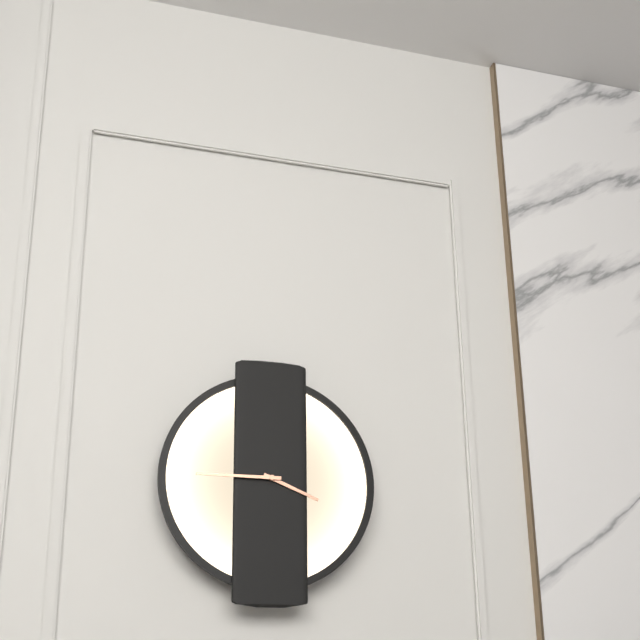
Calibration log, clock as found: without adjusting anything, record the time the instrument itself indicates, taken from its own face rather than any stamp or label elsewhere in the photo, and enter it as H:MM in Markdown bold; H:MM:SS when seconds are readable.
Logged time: **3:45**
